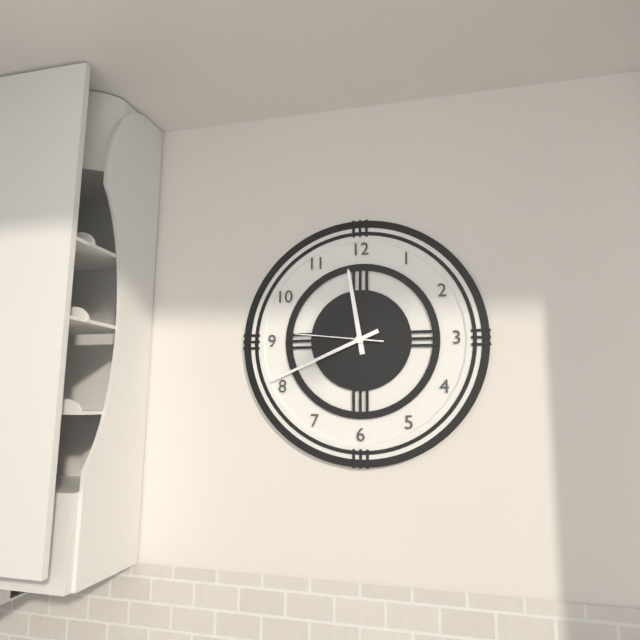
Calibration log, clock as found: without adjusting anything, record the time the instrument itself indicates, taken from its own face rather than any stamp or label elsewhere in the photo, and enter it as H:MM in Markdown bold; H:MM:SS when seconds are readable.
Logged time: **11:41:46**
